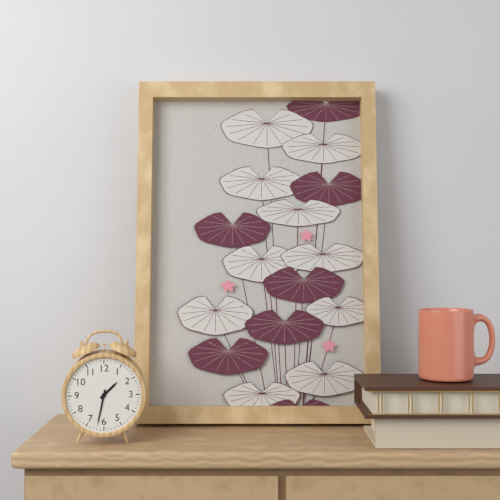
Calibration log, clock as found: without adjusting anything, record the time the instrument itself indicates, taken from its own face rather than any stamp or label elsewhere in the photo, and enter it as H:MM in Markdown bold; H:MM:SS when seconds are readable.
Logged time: **1:32**
